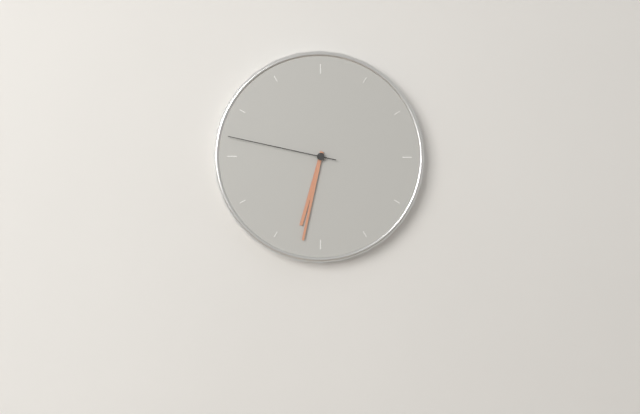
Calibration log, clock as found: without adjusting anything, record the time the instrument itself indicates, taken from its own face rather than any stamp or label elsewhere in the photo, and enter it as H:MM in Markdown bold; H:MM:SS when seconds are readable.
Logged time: **6:32:47**
